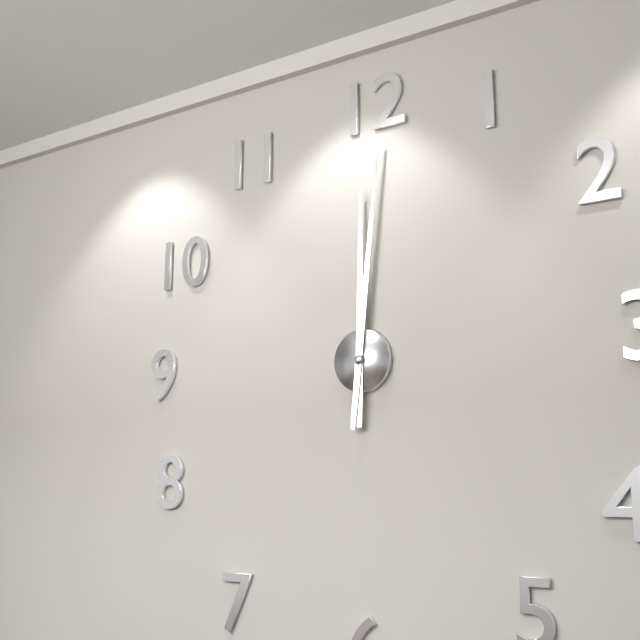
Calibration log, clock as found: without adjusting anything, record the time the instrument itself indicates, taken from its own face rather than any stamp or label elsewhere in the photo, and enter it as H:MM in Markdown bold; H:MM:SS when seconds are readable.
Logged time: **12:01**
